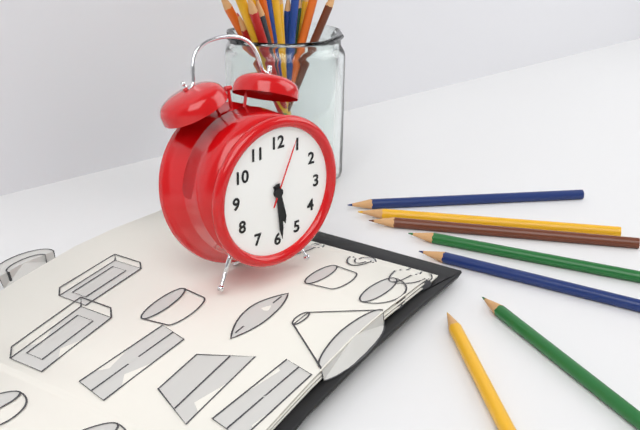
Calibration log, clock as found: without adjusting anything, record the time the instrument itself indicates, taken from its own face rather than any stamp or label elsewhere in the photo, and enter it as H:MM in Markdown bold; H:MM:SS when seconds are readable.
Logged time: **5:29:04**
